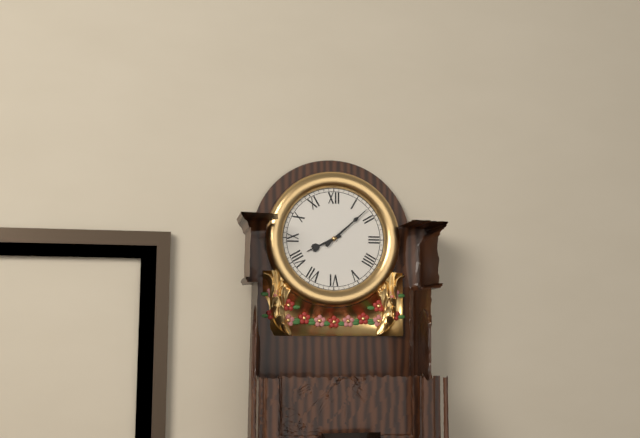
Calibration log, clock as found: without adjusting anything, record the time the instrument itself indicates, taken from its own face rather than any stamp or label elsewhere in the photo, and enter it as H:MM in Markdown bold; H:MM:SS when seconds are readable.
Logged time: **8:08**
